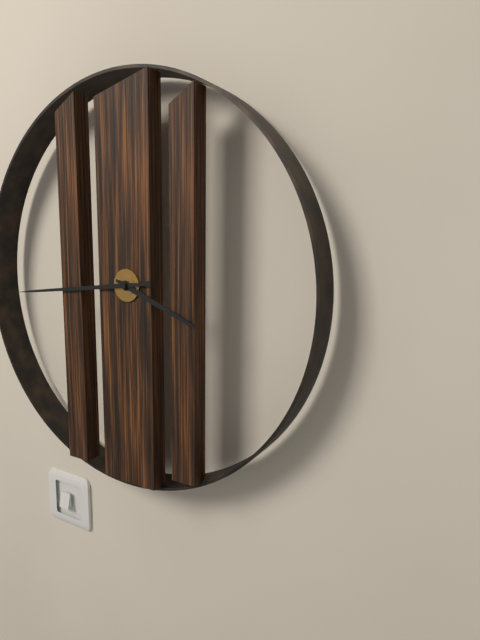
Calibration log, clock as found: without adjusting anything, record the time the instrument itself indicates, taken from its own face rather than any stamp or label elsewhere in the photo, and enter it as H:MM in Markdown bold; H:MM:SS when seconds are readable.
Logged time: **3:44**
